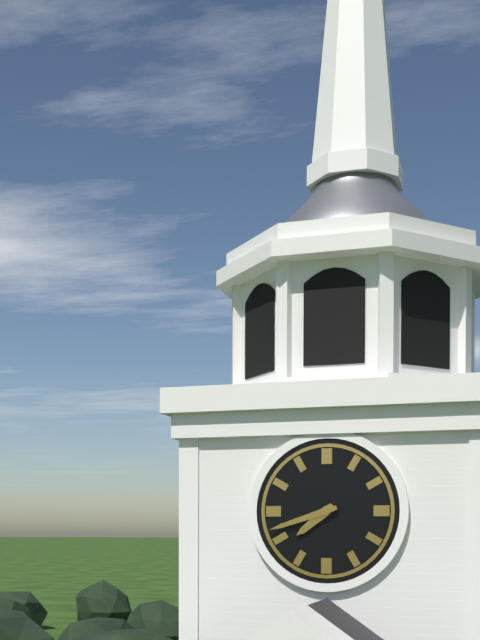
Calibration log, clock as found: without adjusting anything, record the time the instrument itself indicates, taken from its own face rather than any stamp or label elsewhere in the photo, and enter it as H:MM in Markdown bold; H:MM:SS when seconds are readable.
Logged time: **7:42**
